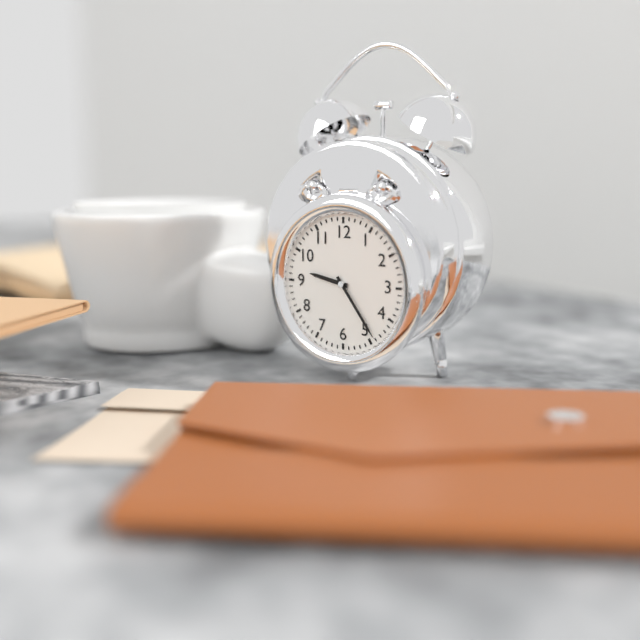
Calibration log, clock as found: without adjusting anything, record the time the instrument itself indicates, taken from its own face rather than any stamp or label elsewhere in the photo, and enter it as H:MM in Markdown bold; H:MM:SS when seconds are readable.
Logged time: **9:24**
